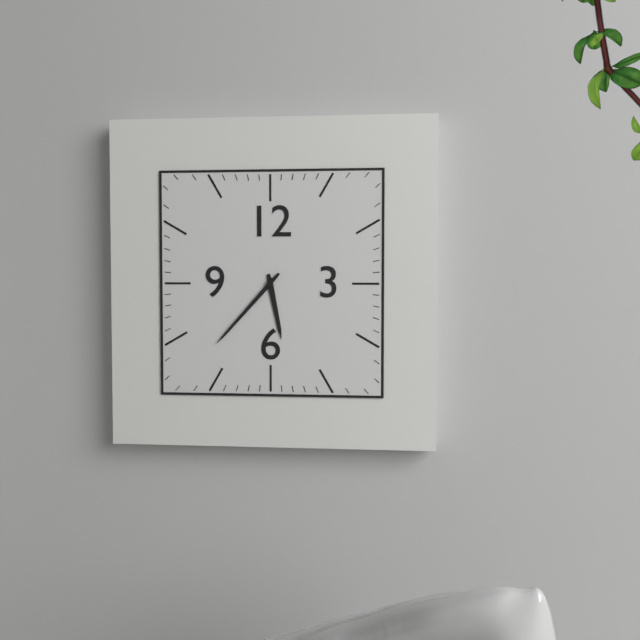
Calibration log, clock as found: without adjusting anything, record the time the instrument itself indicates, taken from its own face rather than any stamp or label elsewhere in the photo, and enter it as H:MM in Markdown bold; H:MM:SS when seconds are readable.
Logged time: **5:37**
